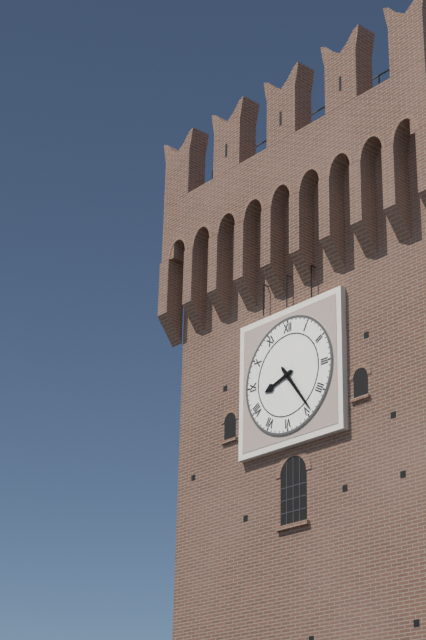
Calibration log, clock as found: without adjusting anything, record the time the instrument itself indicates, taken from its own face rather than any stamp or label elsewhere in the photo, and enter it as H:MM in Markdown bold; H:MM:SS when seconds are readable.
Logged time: **8:24**
